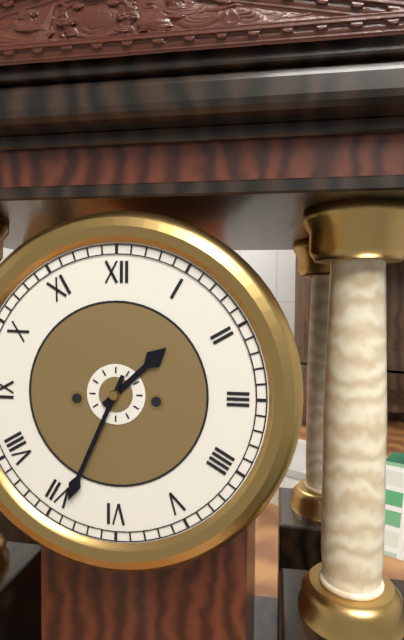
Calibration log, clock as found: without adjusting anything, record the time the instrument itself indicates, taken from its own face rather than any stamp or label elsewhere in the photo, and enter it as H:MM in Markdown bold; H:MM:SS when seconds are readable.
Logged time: **1:34**
